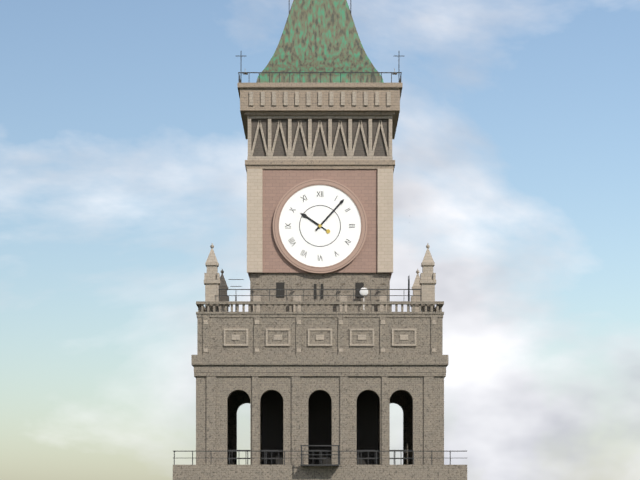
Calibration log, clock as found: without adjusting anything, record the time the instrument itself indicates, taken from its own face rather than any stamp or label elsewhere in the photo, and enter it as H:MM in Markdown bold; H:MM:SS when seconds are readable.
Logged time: **10:07**
